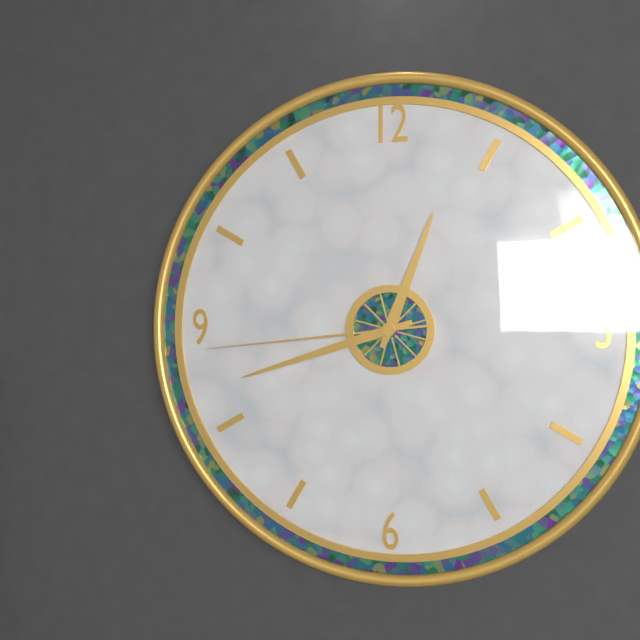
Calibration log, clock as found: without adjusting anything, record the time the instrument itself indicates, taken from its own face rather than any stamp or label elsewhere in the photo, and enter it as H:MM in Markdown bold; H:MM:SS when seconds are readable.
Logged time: **12:42:44**
